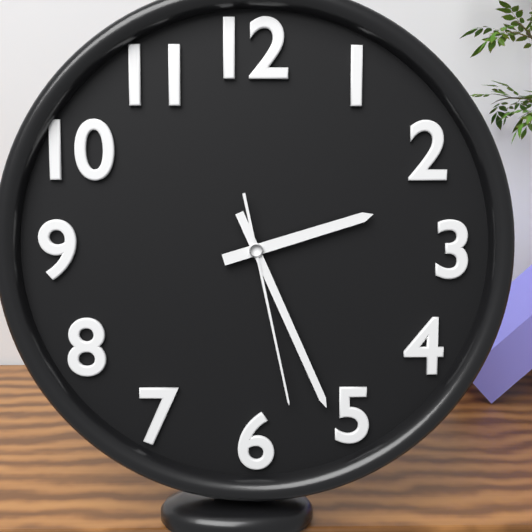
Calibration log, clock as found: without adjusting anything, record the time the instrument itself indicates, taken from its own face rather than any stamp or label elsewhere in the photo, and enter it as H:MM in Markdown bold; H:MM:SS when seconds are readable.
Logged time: **2:26:28**
